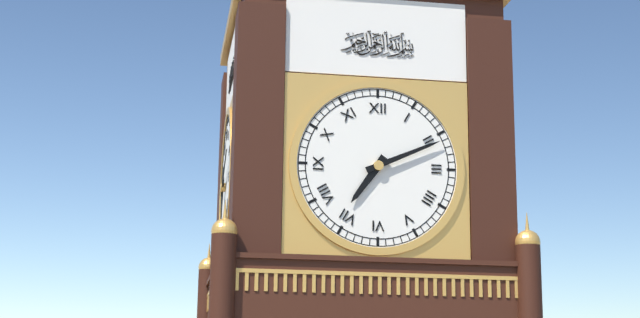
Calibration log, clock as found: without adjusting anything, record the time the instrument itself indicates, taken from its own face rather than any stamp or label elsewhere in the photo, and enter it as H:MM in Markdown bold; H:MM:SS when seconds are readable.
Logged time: **7:11**
